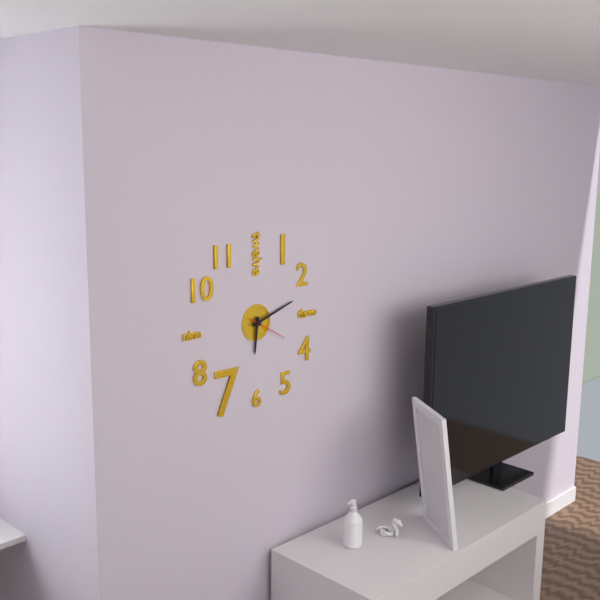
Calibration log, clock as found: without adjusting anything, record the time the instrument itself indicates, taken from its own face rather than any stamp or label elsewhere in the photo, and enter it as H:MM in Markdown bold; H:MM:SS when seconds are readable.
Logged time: **6:12**
